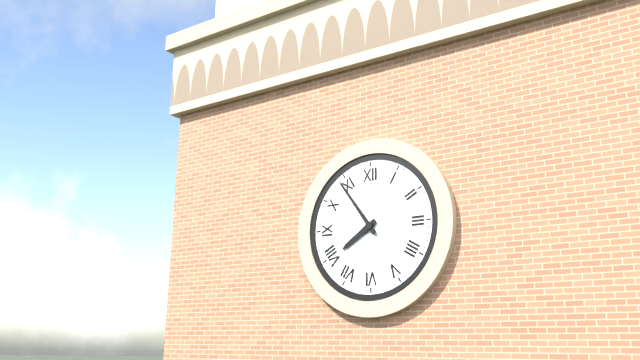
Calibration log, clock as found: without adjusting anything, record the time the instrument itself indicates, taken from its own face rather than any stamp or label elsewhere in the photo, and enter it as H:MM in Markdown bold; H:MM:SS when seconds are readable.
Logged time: **7:54**
